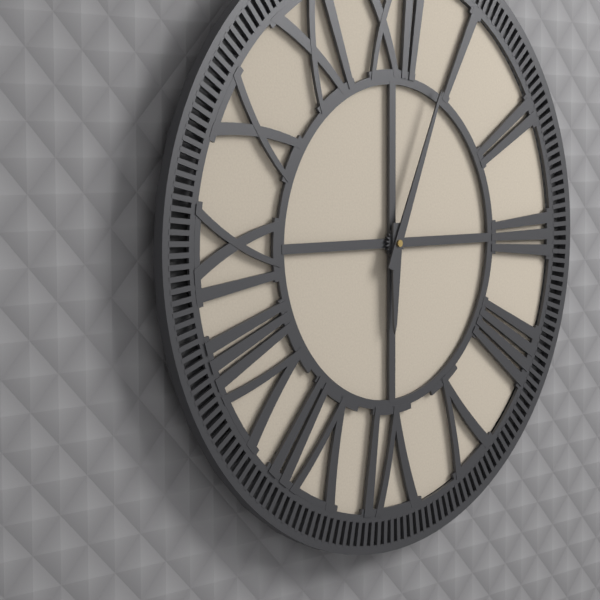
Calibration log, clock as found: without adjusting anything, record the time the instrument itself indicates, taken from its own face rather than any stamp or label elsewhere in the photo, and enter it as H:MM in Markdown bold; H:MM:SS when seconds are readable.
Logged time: **6:04**
